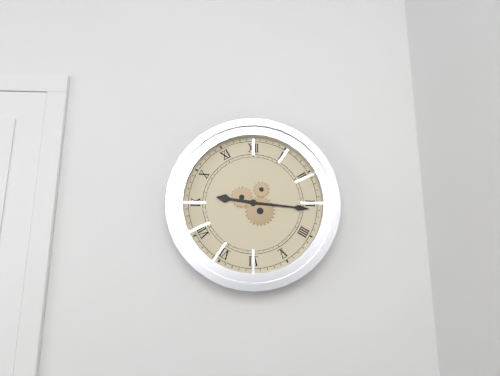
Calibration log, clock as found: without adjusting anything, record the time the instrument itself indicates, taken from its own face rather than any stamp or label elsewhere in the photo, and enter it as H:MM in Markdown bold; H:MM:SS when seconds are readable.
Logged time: **9:16**
